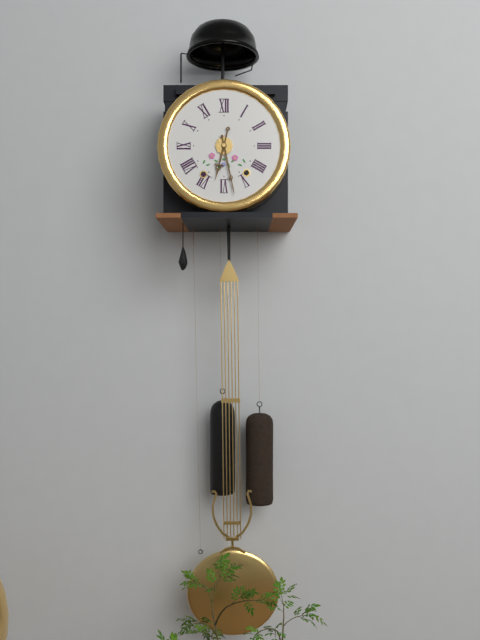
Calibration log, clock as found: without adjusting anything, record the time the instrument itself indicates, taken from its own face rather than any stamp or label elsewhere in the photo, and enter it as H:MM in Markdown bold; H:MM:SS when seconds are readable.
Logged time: **6:28**
